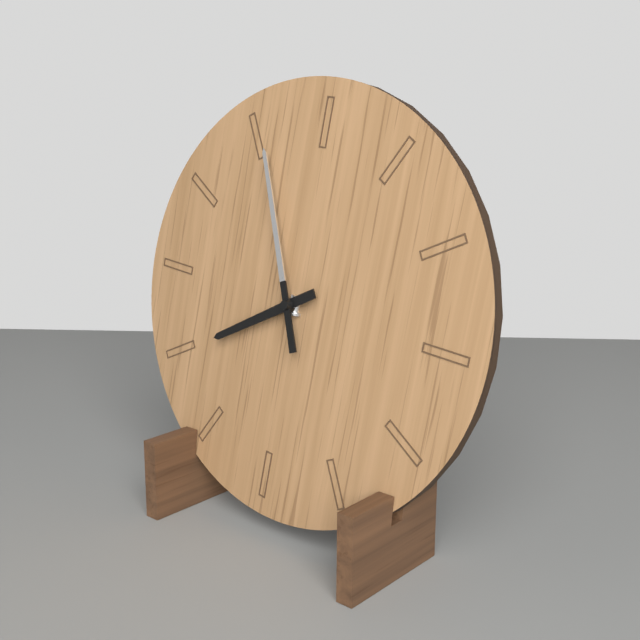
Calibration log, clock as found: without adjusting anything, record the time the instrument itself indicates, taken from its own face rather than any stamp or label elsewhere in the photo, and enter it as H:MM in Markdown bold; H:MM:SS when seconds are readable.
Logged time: **7:56**
